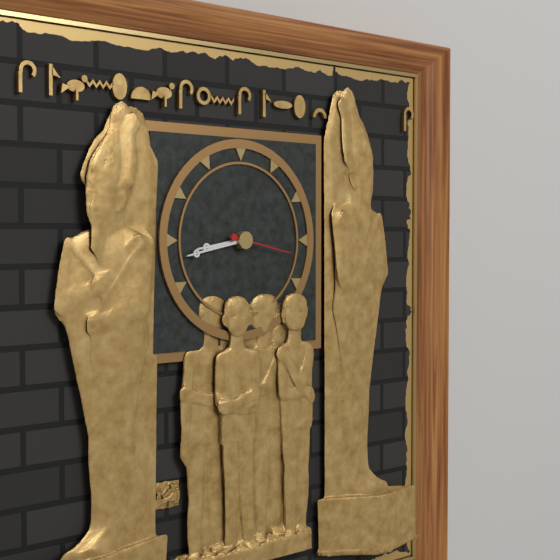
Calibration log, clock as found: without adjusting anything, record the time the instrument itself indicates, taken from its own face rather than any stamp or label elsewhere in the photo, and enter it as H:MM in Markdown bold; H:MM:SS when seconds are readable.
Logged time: **8:43:17**
